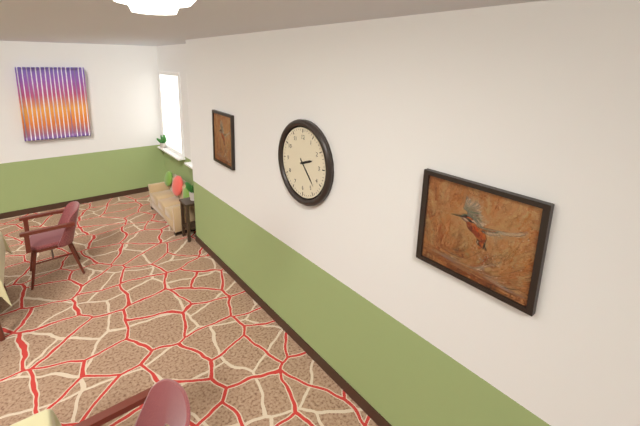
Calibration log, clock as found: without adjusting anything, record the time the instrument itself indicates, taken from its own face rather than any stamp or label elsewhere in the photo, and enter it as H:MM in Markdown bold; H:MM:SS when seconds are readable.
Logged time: **2:23**
